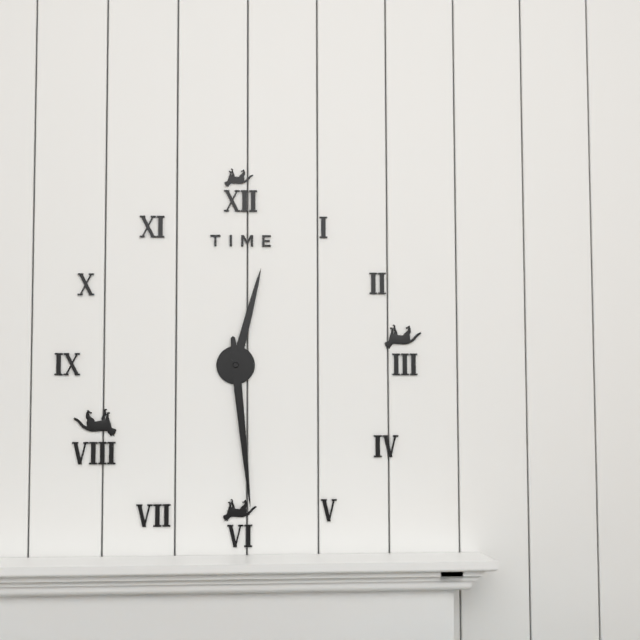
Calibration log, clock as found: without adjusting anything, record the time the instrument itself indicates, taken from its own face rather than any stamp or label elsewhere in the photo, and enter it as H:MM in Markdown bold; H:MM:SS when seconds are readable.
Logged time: **12:29**
